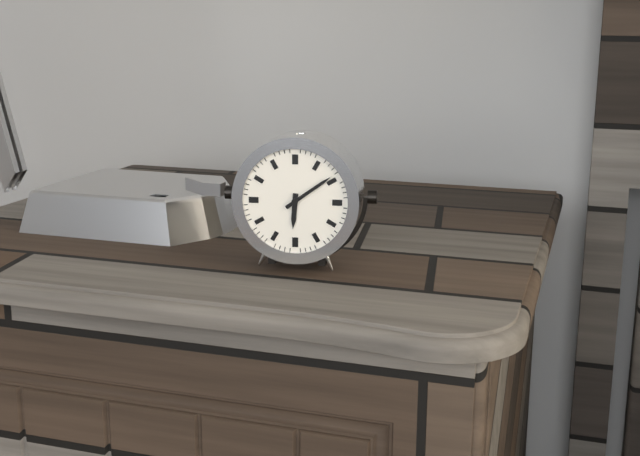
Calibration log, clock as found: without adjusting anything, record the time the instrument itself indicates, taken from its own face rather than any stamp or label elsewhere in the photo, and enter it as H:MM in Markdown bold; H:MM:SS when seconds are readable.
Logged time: **6:09**
